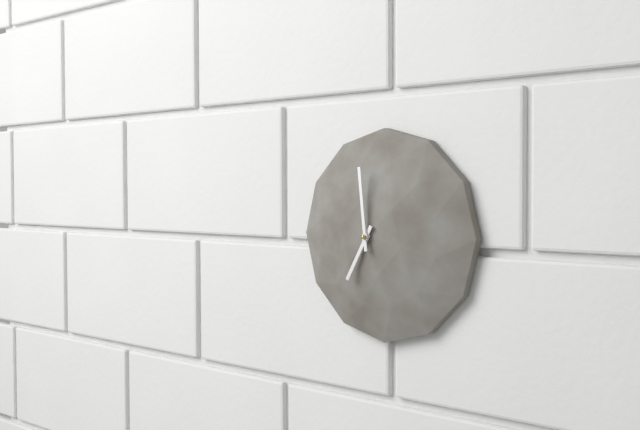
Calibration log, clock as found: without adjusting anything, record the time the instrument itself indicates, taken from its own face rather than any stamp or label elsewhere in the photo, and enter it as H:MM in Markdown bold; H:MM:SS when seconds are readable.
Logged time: **6:59**
